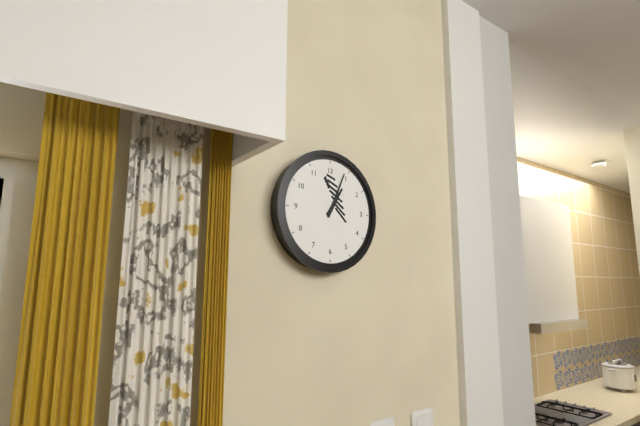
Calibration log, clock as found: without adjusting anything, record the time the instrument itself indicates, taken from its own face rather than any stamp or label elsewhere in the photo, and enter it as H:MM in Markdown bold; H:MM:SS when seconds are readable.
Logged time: **1:04**
